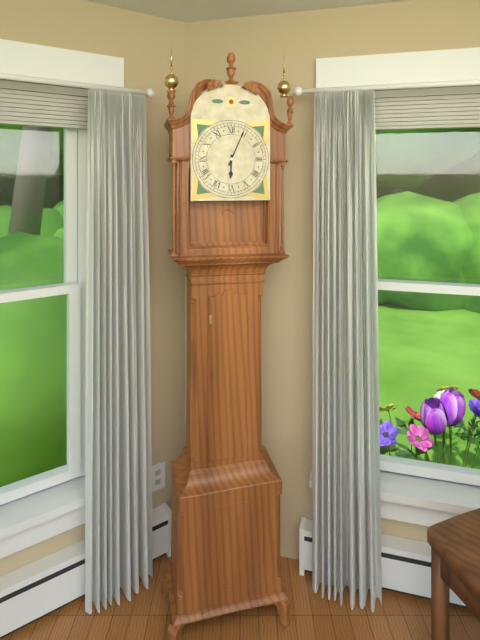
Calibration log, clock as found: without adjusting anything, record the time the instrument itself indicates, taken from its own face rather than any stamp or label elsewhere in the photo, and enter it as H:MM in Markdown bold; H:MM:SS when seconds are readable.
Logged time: **6:04**
